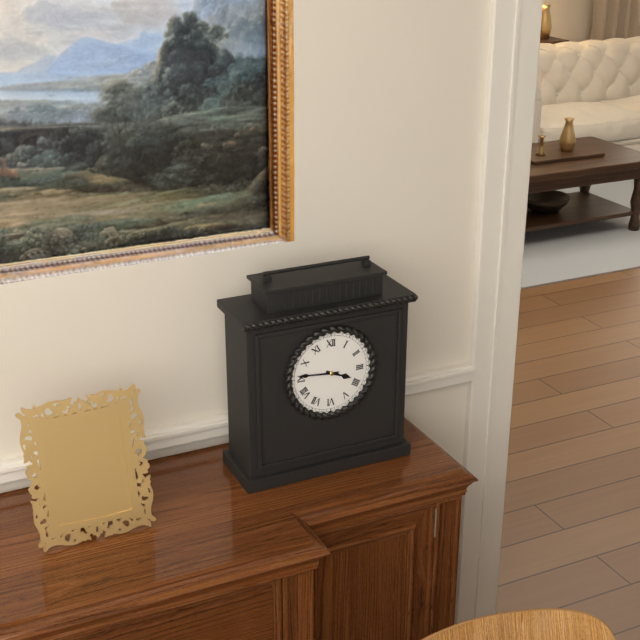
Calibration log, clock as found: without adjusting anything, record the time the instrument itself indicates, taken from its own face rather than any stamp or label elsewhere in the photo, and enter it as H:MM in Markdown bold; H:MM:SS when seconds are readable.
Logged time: **3:46**
